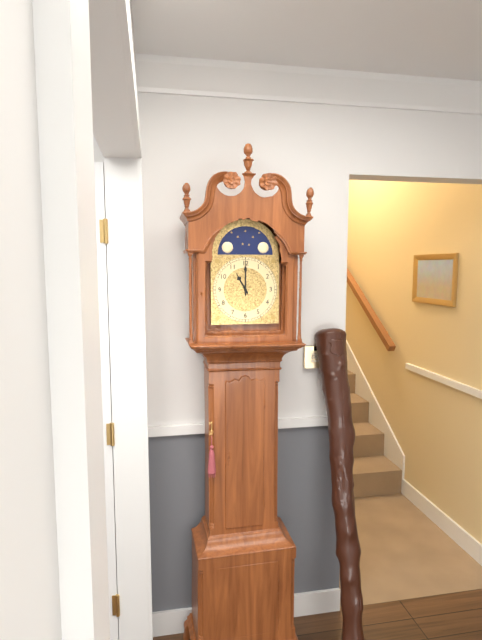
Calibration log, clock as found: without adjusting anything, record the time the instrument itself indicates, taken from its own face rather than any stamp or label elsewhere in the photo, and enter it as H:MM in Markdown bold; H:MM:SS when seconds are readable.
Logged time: **11:00**
